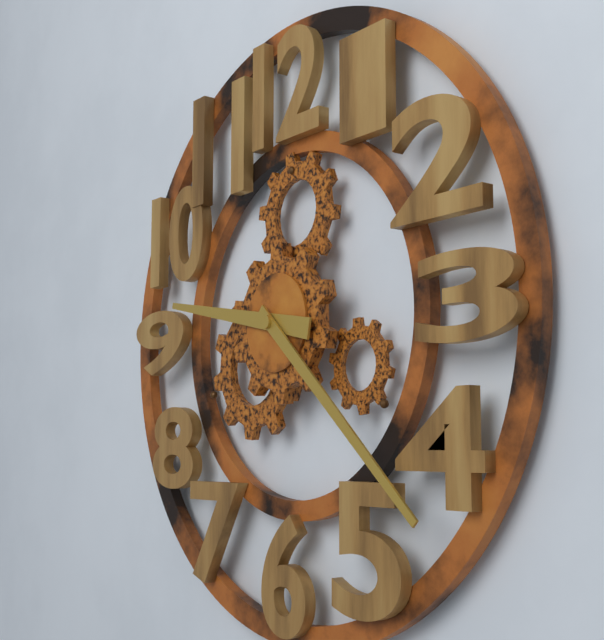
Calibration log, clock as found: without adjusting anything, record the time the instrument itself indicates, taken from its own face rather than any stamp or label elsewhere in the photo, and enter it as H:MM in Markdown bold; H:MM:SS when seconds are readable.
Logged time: **9:22**
